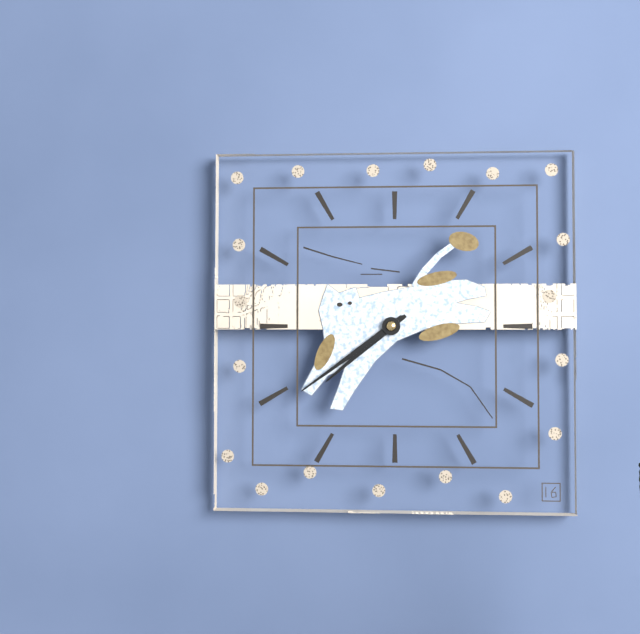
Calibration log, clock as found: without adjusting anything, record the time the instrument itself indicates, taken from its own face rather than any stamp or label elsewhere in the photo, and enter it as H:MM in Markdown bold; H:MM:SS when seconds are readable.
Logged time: **7:39**
